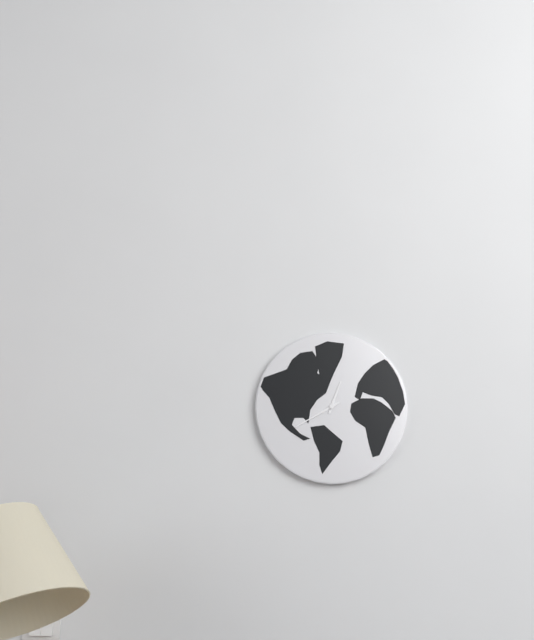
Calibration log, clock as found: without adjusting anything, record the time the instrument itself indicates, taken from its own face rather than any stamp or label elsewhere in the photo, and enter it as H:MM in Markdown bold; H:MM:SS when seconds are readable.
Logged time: **12:40**
